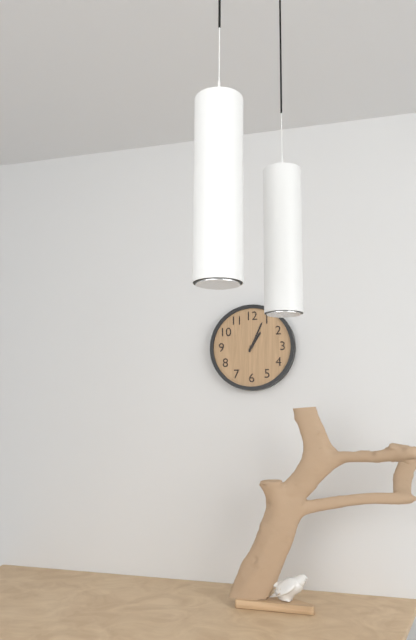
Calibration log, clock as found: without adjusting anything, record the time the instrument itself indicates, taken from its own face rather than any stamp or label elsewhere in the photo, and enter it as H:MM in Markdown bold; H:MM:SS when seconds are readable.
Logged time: **1:04**
